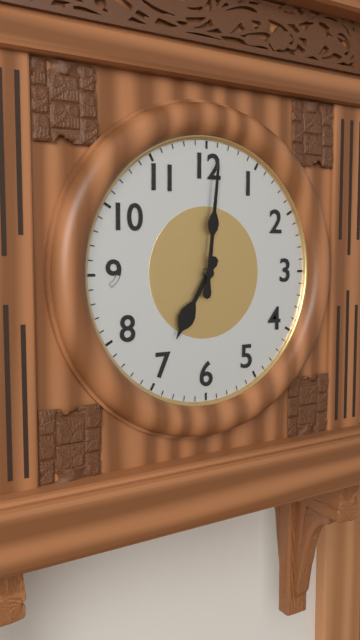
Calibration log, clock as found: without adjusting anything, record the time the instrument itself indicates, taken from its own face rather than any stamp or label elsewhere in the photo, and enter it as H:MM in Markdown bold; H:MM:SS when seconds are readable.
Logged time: **7:01**
